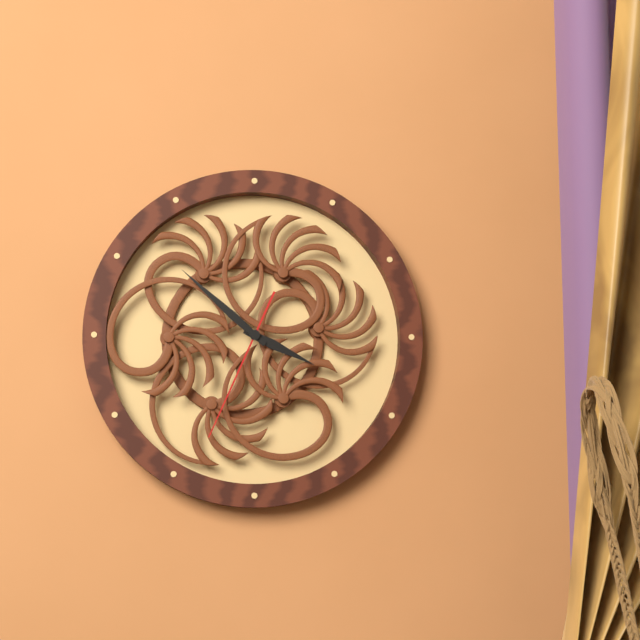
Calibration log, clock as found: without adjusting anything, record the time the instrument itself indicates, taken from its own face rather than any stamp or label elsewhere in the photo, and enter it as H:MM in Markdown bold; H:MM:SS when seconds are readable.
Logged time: **3:52:34**
